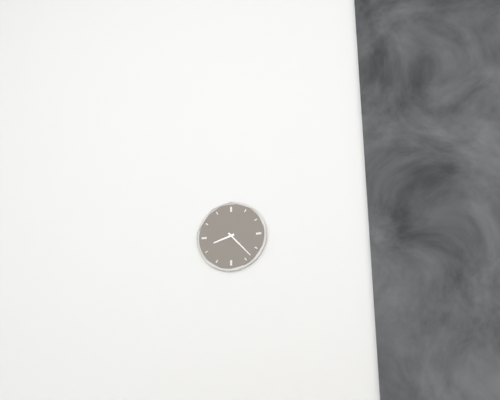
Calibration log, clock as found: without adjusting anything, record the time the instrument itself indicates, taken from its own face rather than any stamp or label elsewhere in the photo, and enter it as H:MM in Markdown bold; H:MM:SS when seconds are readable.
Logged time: **8:23**
